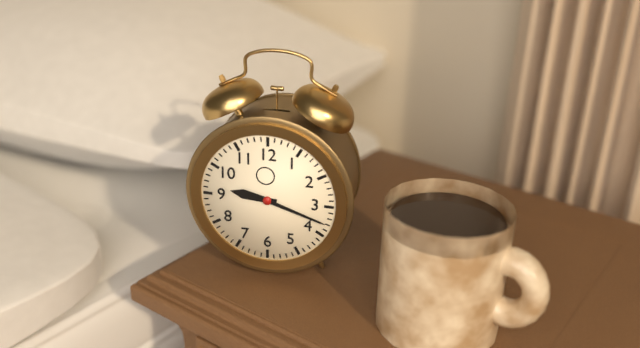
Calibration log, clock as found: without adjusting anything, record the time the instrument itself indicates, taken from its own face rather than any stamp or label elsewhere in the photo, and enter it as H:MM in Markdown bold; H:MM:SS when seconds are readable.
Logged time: **9:18**
